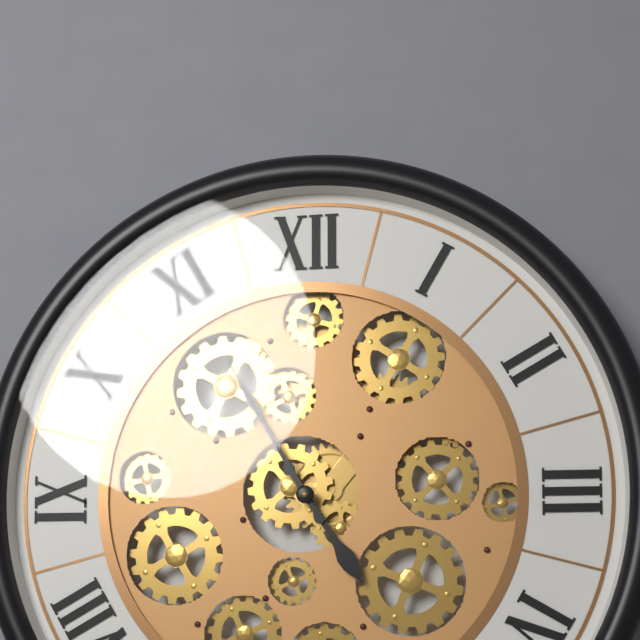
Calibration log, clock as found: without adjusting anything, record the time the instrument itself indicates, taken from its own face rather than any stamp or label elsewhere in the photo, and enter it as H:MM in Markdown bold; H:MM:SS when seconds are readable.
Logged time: **4:55**
